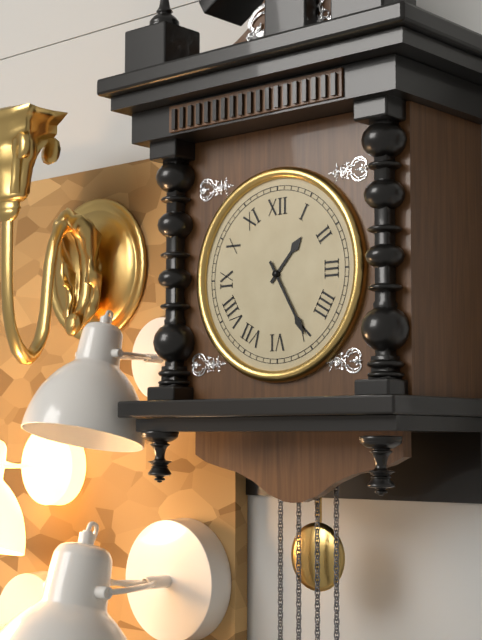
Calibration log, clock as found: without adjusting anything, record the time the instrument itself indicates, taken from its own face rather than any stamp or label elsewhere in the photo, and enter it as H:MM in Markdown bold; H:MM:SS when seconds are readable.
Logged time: **1:25**
